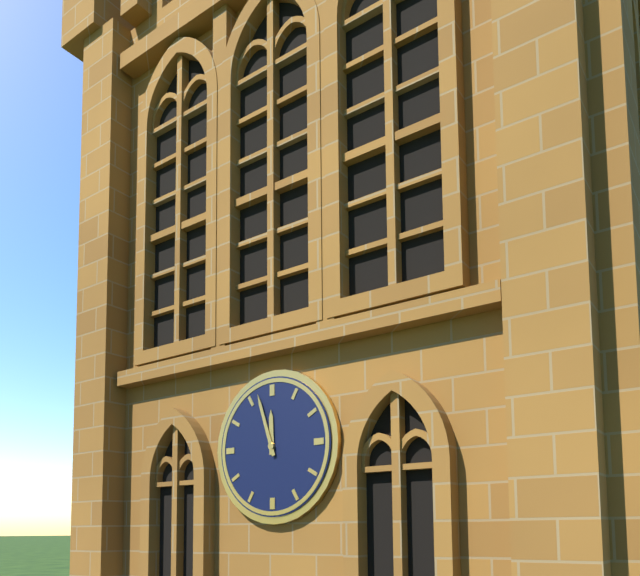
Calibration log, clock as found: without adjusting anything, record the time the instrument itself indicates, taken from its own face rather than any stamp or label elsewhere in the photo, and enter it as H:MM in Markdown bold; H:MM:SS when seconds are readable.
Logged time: **11:57**
